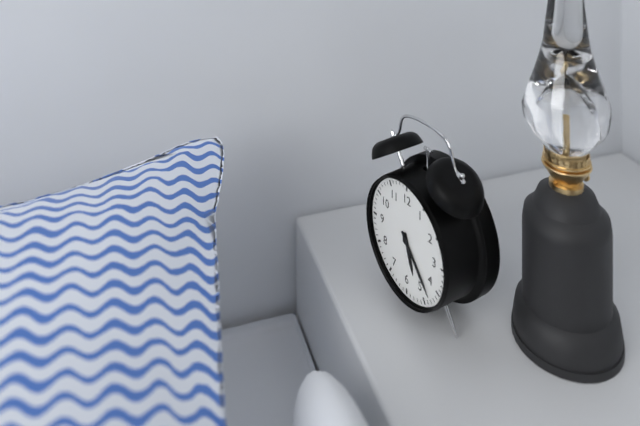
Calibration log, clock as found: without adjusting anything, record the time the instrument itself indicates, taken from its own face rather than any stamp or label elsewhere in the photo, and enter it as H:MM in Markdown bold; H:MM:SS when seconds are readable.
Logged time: **5:23**
